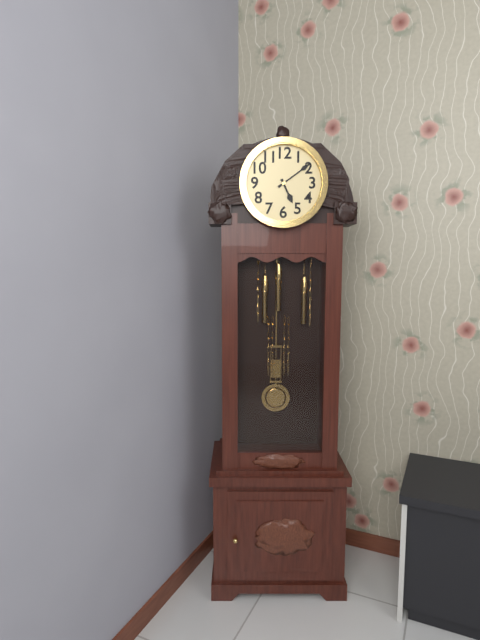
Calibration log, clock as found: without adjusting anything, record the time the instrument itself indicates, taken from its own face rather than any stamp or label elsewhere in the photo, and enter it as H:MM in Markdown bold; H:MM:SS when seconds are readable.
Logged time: **5:09**
